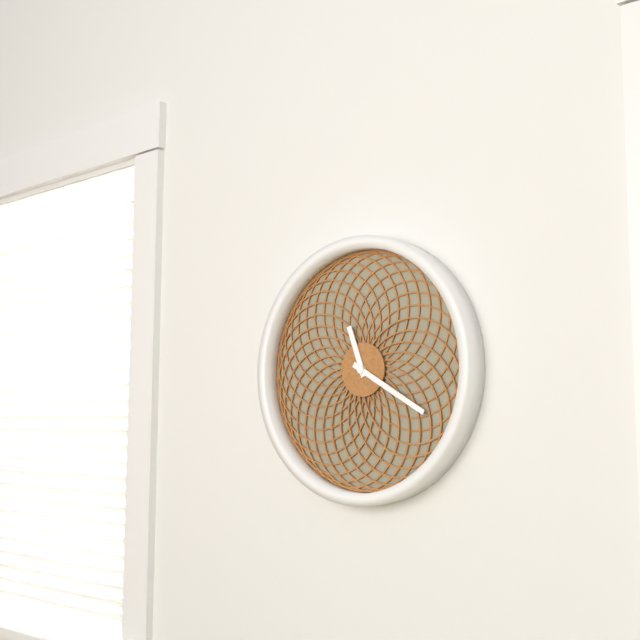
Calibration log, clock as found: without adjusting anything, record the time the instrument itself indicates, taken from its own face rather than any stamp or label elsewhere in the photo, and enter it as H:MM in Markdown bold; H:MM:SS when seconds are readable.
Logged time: **11:20**
